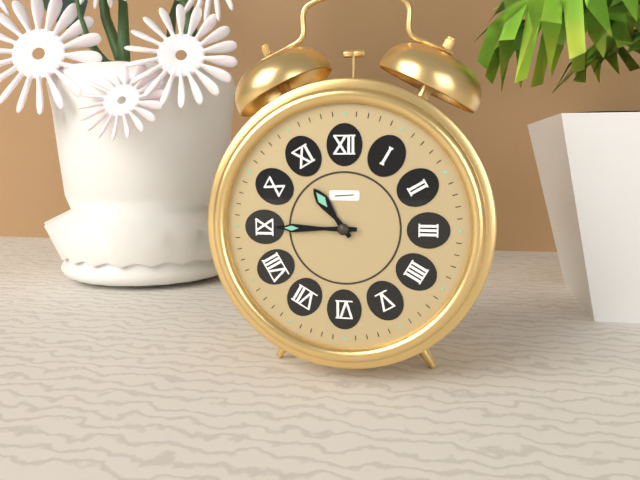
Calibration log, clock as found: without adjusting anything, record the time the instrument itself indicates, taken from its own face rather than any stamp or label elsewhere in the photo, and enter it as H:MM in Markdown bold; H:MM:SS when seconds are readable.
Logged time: **10:45**
